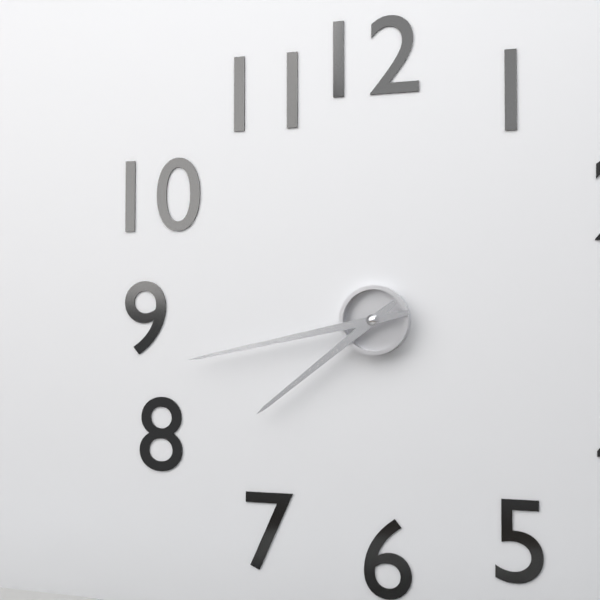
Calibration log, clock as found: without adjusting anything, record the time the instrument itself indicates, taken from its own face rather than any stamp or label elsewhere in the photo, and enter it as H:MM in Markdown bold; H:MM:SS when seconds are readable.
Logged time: **7:43**
